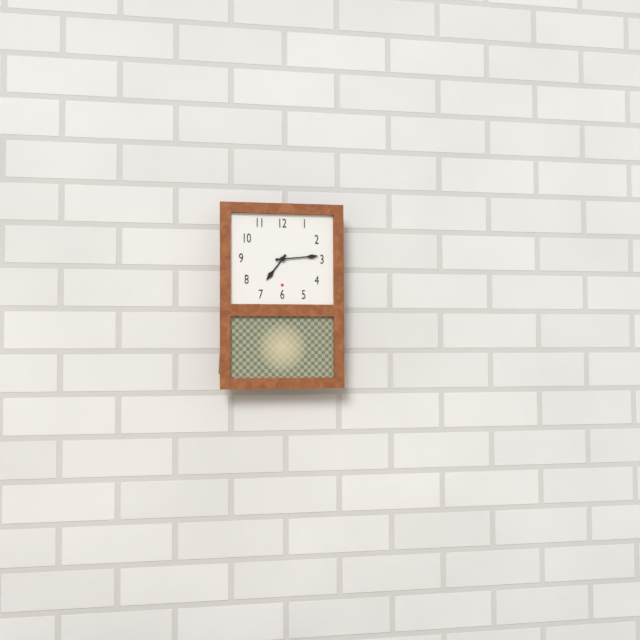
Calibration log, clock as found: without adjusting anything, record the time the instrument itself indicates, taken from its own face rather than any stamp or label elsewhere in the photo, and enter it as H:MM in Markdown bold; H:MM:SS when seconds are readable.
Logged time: **7:14**
